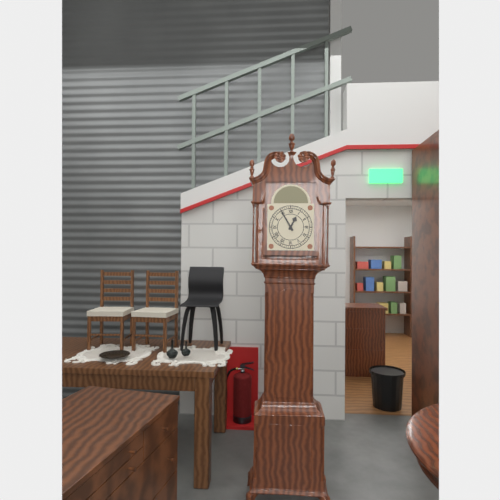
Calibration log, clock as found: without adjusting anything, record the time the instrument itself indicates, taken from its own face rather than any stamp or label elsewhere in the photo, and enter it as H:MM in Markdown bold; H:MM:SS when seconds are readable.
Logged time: **12:55**
